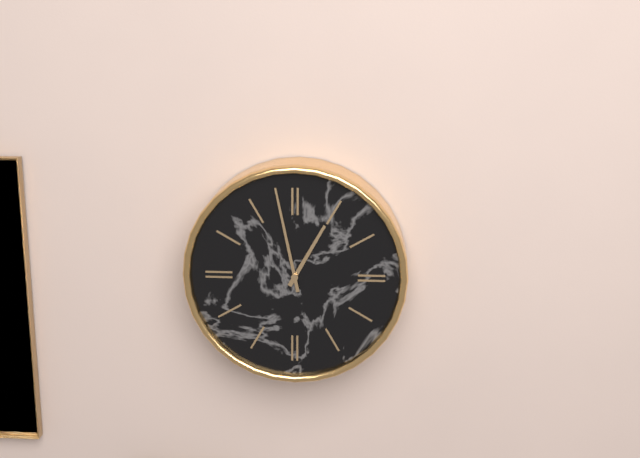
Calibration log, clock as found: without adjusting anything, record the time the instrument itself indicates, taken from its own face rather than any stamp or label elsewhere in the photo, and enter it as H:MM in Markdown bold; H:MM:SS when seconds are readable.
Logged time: **12:58**
